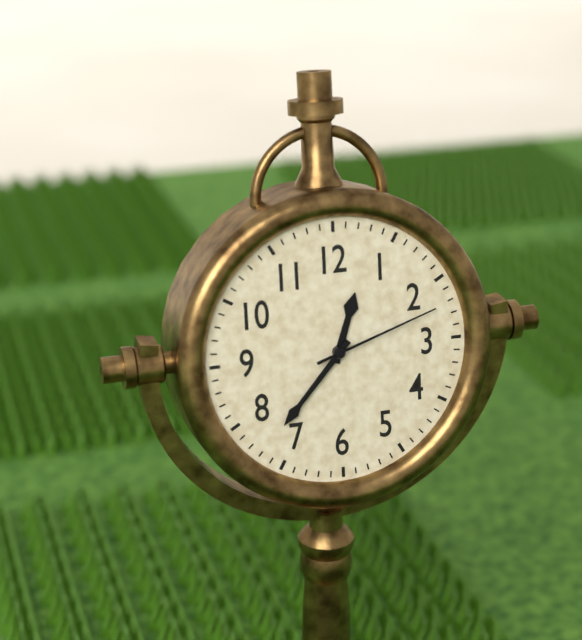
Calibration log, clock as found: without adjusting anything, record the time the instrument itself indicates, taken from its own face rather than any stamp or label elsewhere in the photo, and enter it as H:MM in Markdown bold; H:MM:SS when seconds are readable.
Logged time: **12:37:12**
